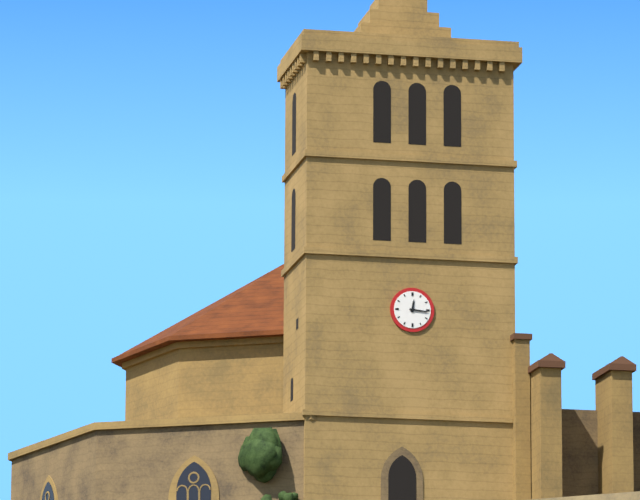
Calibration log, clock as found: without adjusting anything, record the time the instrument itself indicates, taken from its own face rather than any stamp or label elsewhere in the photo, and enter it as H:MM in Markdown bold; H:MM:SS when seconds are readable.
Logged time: **12:16**
